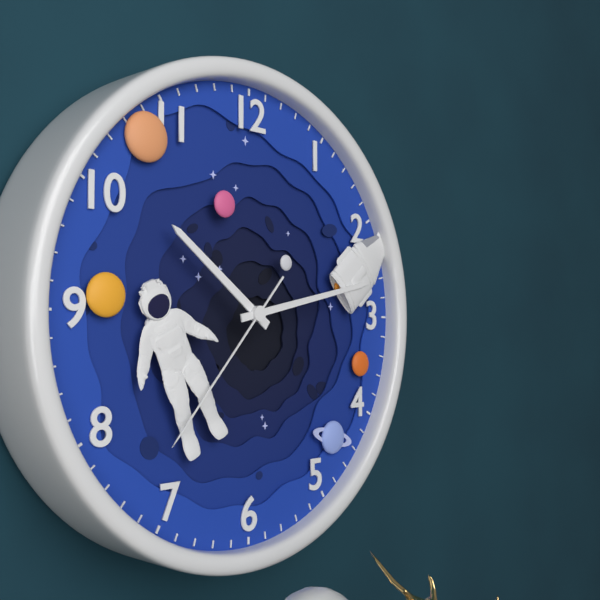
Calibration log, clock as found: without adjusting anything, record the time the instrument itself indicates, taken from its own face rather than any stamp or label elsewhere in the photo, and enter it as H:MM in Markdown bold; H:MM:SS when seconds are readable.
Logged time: **10:13:37**
